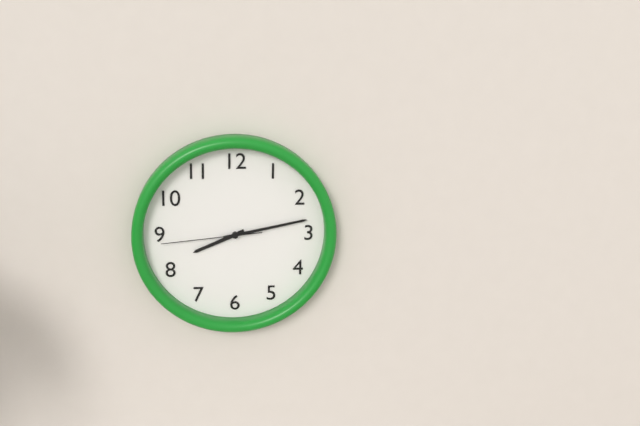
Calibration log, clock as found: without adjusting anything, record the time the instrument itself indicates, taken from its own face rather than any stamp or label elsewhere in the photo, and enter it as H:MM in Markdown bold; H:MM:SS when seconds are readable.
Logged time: **8:13:44**
